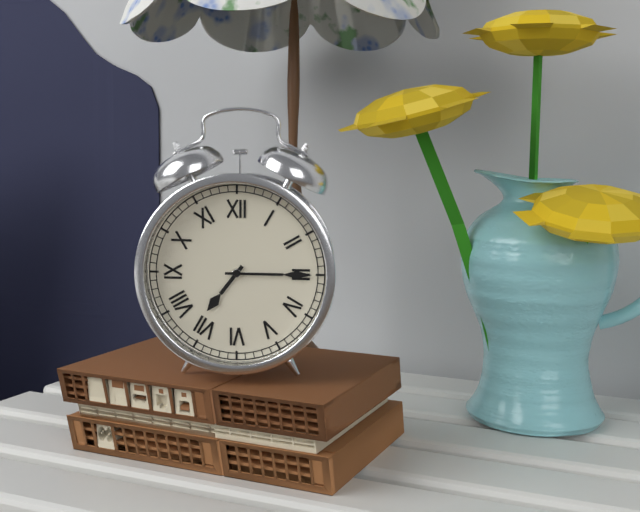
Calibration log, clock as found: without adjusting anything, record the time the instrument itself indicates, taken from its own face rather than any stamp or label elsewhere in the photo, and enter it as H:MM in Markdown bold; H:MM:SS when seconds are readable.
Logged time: **7:15**
